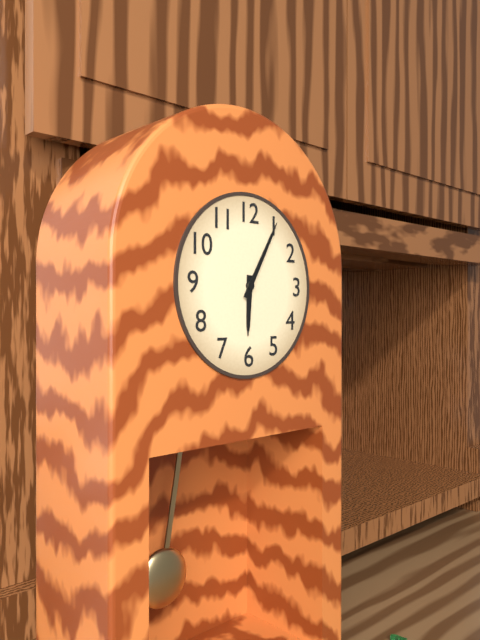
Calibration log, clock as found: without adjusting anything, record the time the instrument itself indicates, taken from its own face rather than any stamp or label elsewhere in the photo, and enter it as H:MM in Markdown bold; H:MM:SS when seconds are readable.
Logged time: **6:05**
